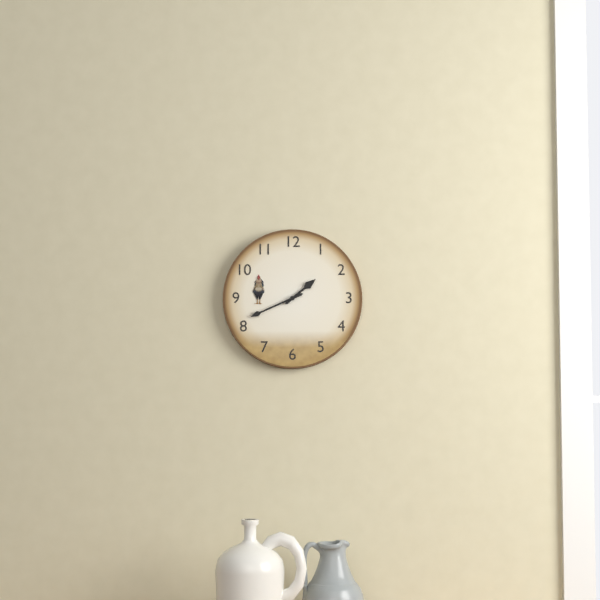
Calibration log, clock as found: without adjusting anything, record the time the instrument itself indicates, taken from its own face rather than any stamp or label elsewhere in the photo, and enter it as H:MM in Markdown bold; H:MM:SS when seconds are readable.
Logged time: **1:41**
